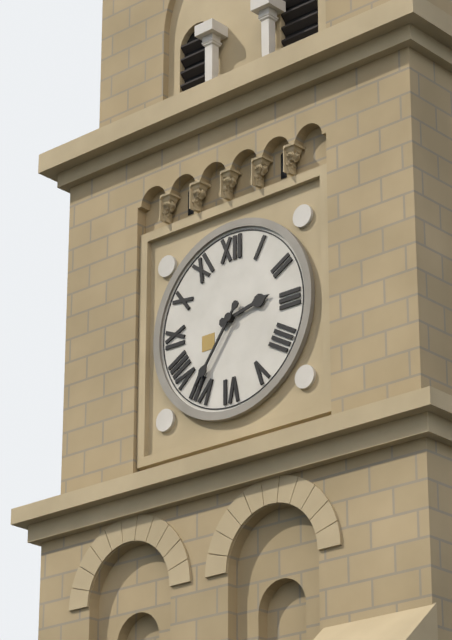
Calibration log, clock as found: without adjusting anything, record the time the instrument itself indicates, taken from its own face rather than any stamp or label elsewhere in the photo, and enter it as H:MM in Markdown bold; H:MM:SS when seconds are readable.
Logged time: **2:36**
